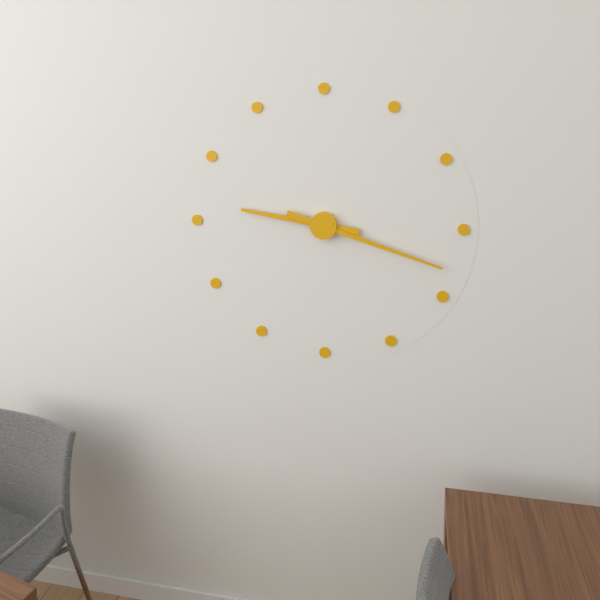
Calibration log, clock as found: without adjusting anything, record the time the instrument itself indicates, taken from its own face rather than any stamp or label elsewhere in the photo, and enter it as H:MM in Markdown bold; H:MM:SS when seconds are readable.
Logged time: **9:18**
